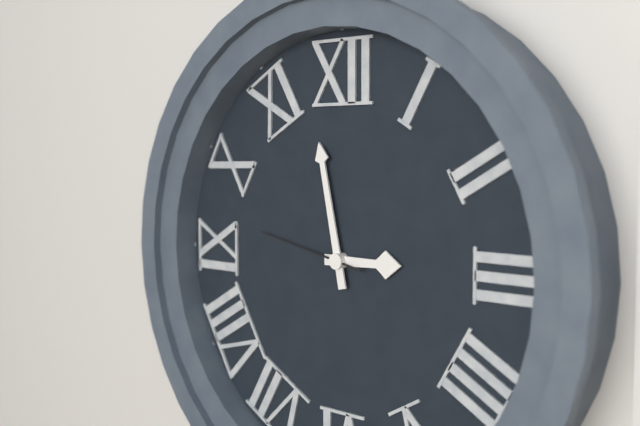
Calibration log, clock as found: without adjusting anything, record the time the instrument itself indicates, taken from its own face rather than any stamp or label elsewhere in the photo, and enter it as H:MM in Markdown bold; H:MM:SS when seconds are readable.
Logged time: **2:58:47**
